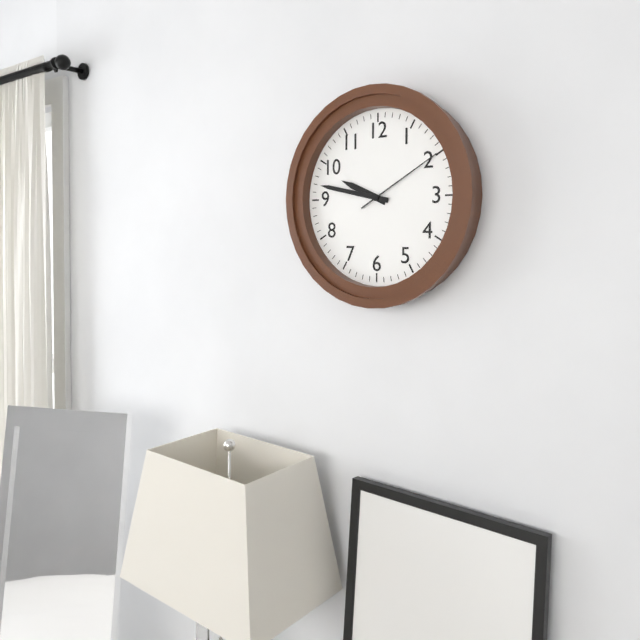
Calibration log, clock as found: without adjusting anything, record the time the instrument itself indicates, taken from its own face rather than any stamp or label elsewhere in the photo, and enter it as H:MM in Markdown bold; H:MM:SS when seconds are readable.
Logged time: **9:47:10**
